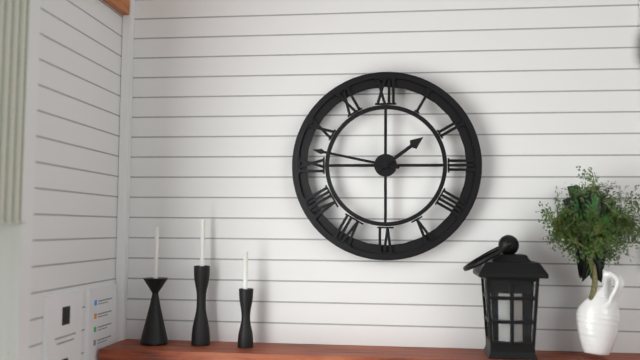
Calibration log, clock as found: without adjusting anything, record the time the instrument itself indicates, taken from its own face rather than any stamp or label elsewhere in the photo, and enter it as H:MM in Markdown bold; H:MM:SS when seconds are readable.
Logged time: **1:47**
